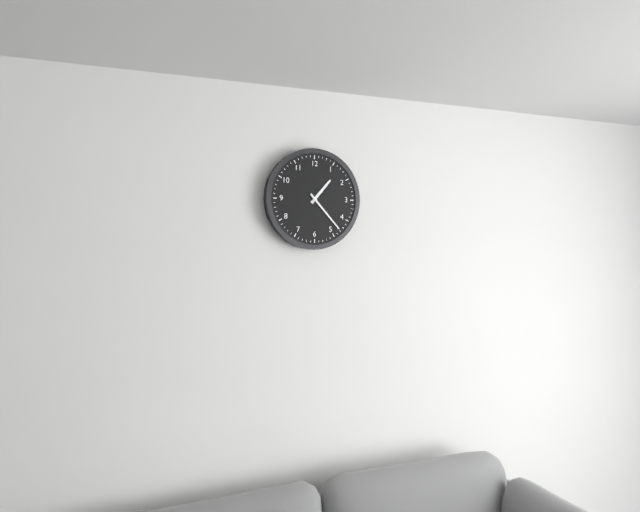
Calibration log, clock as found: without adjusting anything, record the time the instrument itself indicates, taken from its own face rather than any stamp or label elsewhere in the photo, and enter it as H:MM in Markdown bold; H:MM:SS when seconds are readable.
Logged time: **1:23**
